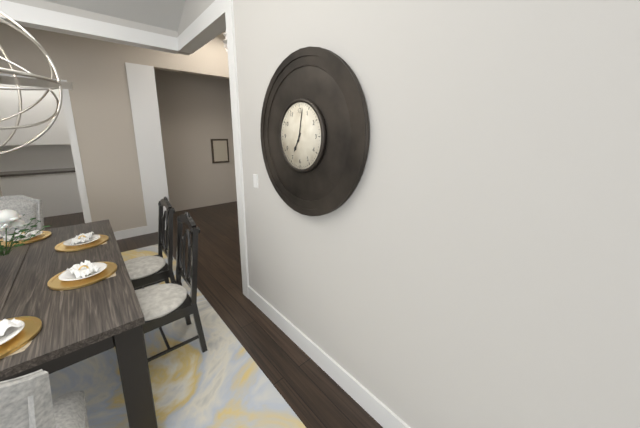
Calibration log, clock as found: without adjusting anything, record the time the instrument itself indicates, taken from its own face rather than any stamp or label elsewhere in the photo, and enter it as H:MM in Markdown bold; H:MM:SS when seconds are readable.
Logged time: **7:02**
